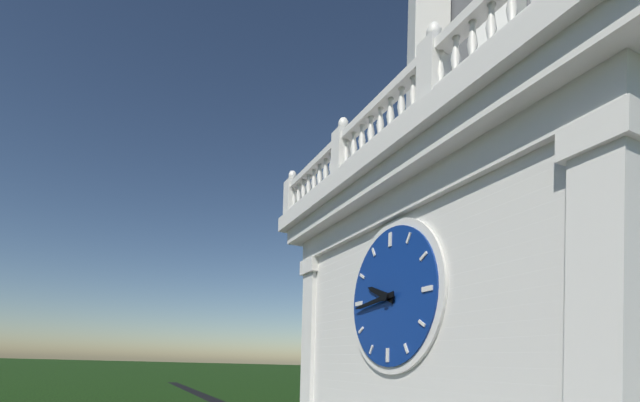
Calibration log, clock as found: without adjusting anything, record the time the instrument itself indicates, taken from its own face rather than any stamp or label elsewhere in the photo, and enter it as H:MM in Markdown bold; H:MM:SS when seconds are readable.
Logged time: **9:44**
